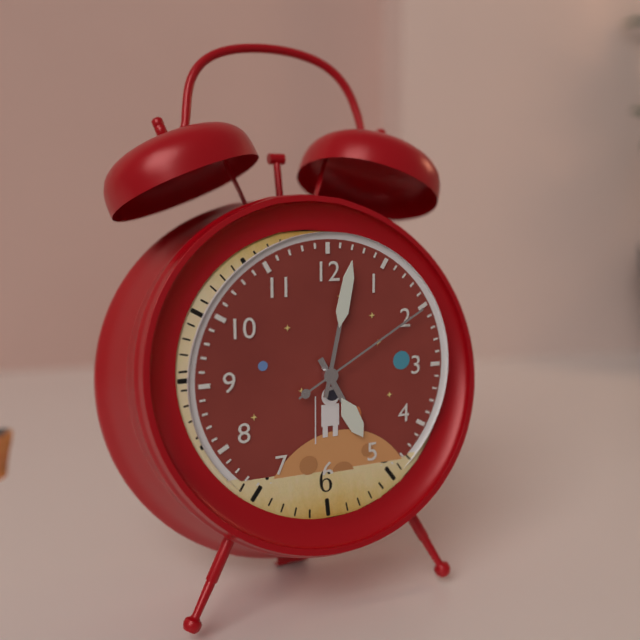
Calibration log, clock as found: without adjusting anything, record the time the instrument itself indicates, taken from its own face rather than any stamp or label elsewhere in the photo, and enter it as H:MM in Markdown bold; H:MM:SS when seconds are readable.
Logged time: **5:02:10**
